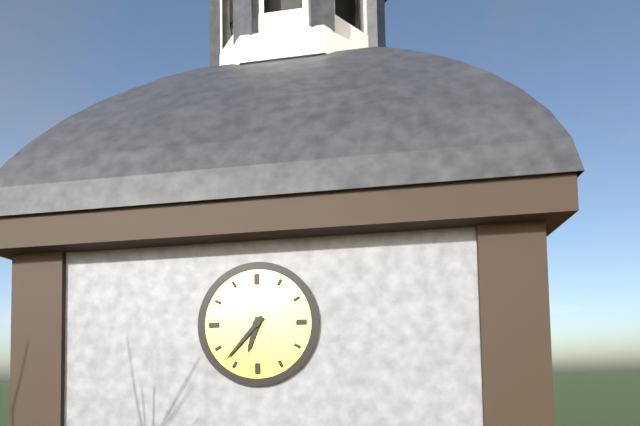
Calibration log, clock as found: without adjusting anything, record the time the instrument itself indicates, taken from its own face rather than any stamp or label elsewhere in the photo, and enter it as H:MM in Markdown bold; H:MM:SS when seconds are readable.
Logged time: **6:37**
